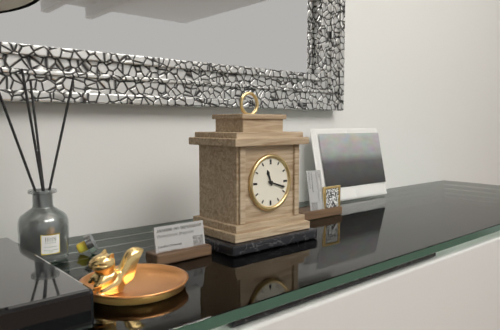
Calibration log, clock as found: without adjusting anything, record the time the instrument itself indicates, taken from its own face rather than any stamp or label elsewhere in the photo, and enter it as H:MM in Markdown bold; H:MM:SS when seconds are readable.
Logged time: **11:18**
